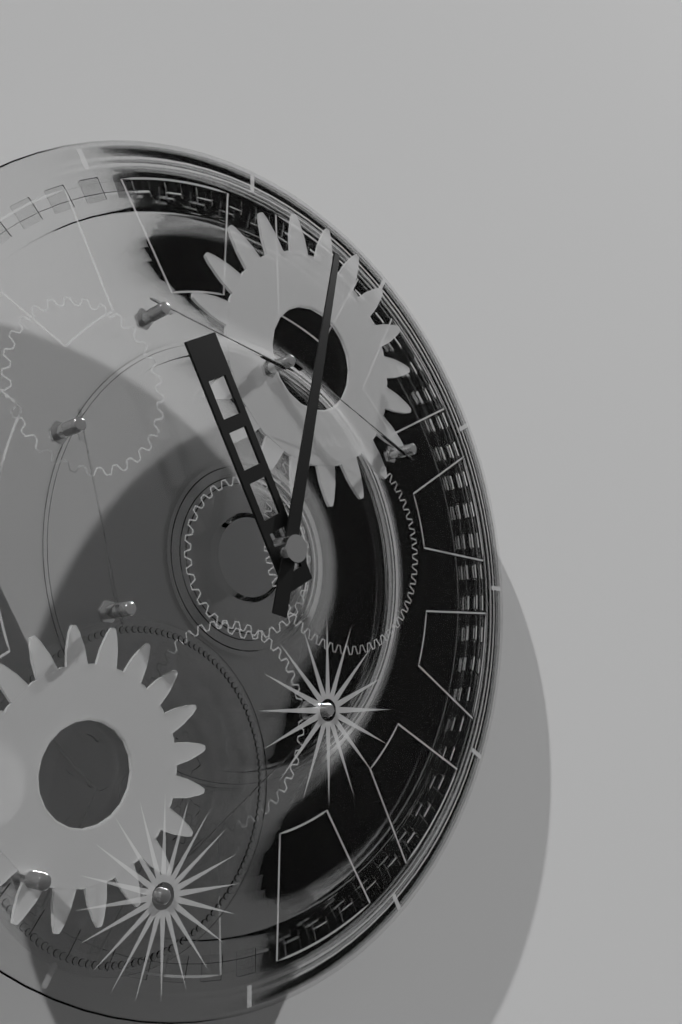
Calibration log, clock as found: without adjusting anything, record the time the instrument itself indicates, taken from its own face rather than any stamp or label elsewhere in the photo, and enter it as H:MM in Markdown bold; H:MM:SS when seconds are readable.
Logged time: **11:02**
